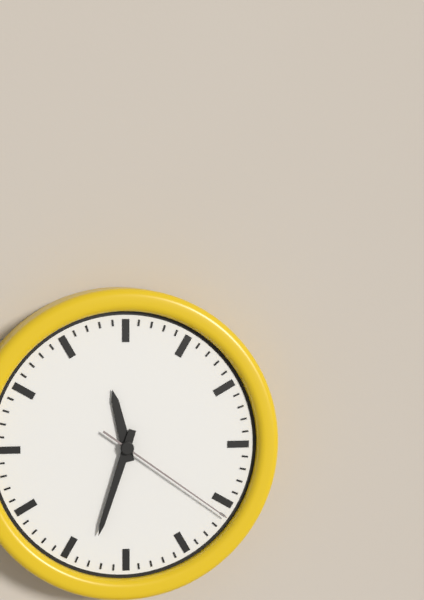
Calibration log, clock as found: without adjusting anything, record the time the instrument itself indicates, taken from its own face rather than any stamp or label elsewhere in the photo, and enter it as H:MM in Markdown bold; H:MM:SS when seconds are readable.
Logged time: **11:33:21**
